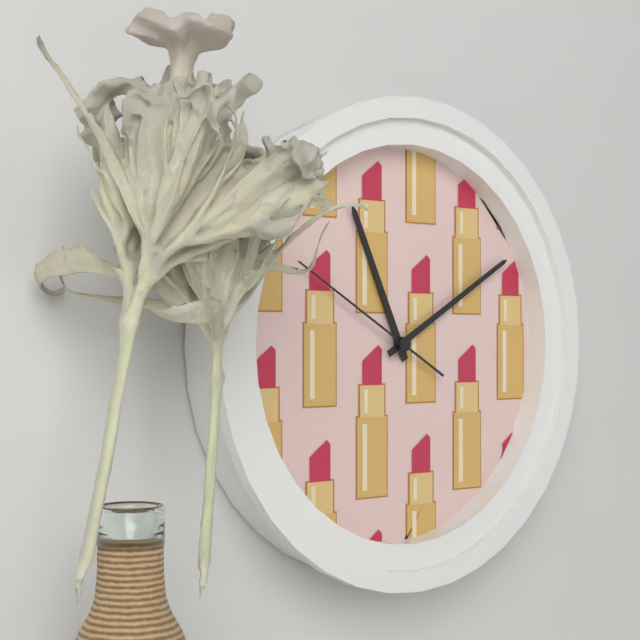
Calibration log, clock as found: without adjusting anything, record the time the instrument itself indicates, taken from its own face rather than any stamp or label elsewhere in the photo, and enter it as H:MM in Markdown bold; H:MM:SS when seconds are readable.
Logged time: **11:10:50**
